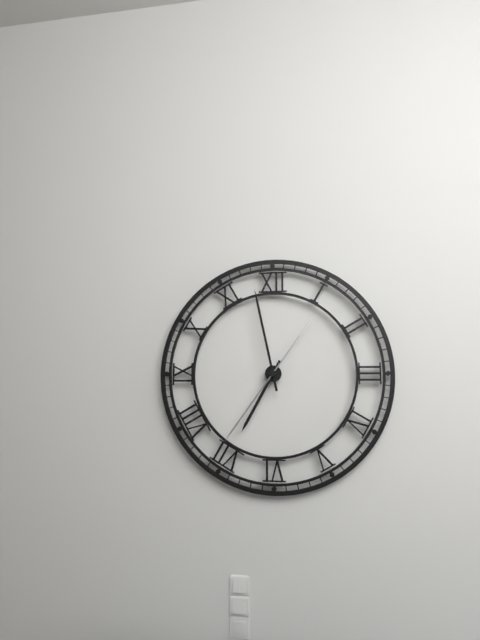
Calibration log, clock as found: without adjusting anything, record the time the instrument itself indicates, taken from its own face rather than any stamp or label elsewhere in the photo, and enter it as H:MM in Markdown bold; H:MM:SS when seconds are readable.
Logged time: **6:58:36**
